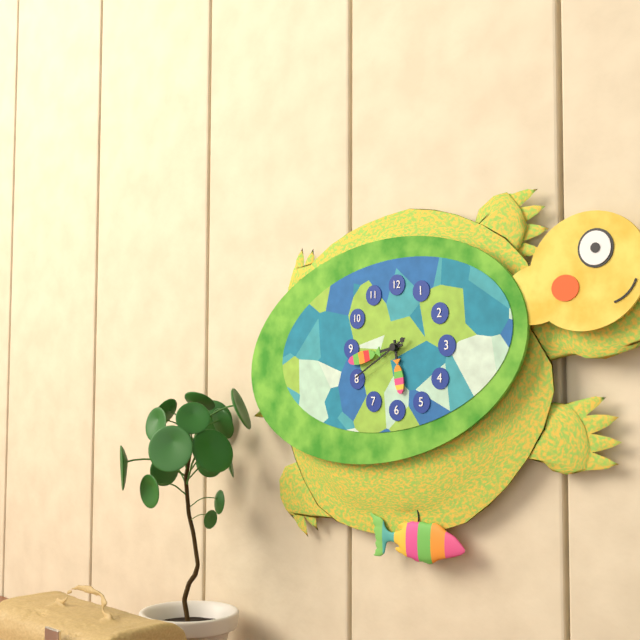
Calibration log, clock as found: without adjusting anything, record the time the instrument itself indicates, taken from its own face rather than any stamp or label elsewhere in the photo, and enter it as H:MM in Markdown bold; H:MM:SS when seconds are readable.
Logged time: **5:43:40**
